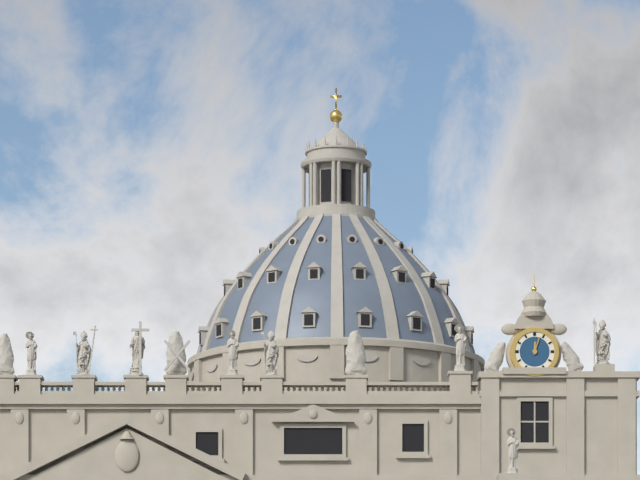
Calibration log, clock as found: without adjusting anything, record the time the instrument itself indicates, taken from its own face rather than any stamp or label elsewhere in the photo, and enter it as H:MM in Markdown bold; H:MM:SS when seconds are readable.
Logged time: **12:03**
